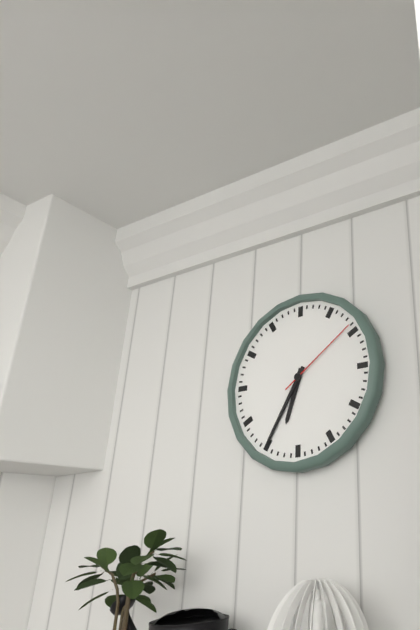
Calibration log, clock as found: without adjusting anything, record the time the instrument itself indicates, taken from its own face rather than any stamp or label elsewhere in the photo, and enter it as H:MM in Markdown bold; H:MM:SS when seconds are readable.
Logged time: **6:35:09**
